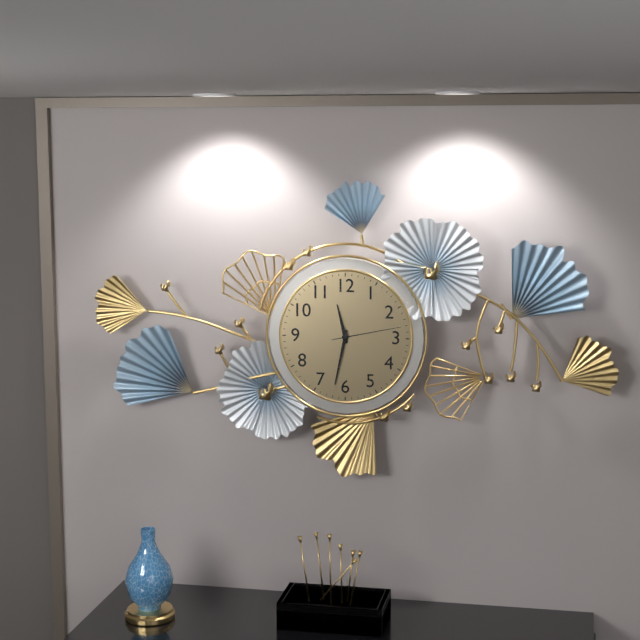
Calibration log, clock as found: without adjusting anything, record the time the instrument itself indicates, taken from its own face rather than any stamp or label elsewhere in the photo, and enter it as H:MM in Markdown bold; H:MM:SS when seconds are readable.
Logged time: **11:32:13**
